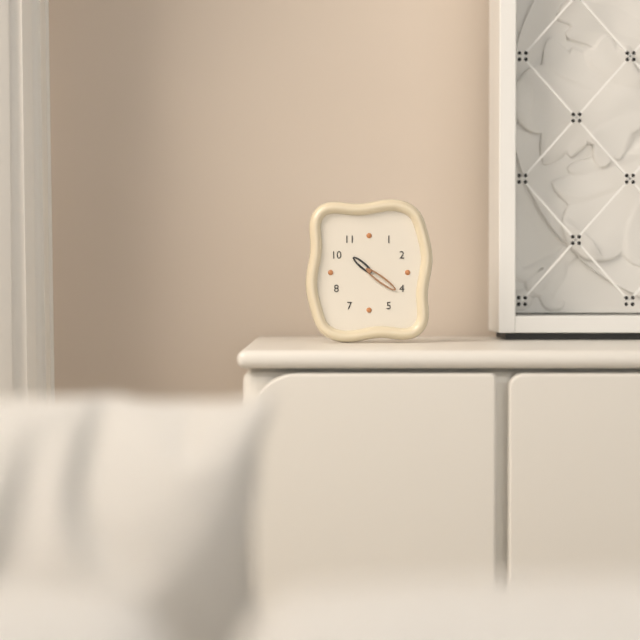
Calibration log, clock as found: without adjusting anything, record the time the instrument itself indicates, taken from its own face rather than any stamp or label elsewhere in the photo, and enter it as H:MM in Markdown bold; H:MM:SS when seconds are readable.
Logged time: **10:21**
